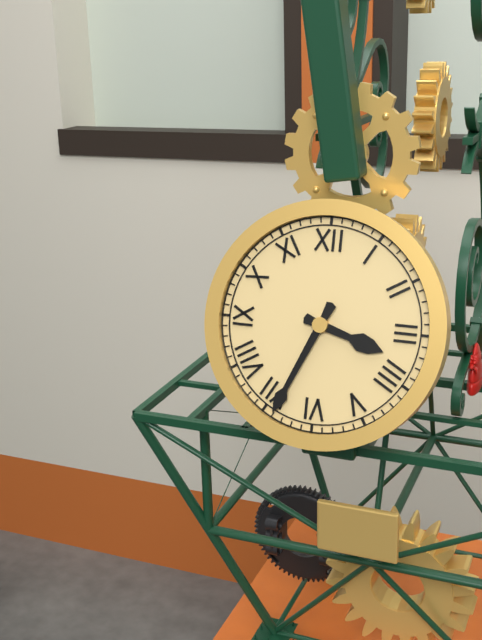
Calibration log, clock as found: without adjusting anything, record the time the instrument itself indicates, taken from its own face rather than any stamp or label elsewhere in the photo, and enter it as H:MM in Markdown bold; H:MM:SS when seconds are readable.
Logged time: **3:34**
